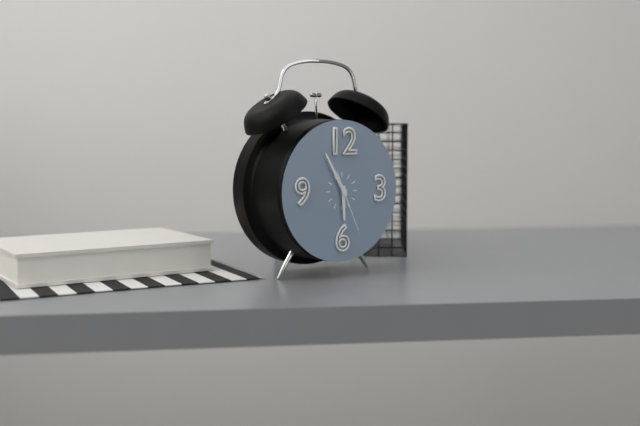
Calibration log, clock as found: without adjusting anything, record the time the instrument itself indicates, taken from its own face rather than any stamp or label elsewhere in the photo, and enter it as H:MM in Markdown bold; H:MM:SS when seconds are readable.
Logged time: **5:55:26**
